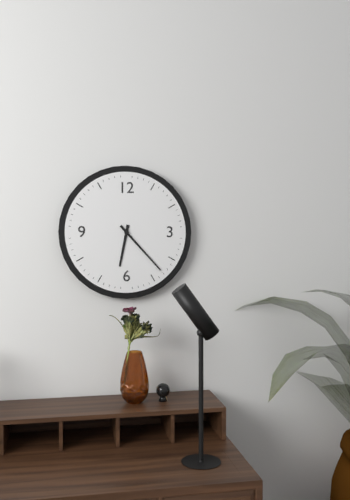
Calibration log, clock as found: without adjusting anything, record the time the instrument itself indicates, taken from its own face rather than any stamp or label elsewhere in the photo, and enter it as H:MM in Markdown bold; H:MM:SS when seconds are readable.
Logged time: **6:23**
